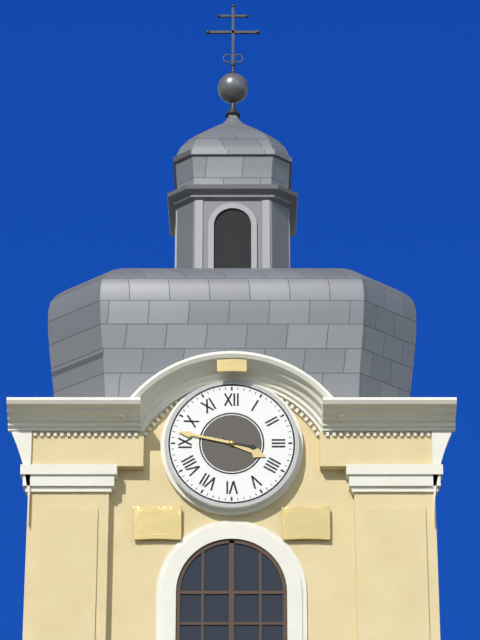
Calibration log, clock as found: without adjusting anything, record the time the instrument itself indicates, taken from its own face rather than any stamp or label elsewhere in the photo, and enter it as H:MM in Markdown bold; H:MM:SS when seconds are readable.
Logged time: **3:47**
